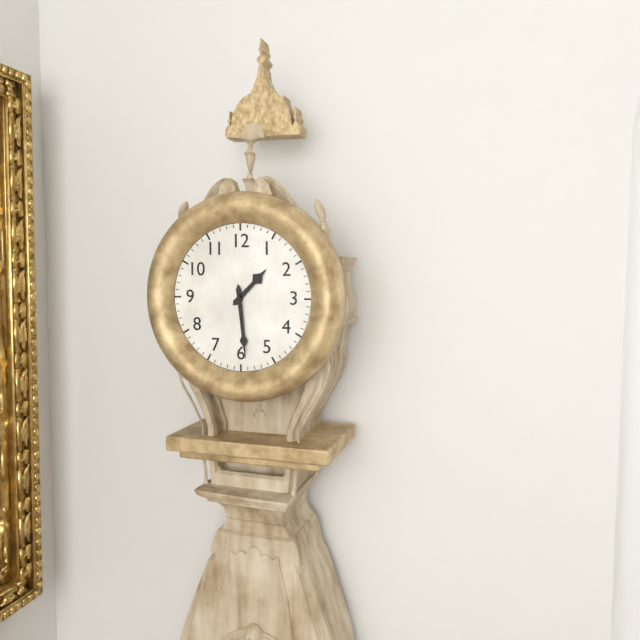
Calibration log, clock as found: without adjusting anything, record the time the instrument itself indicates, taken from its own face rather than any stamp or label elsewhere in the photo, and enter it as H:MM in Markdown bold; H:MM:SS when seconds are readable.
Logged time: **1:29**
